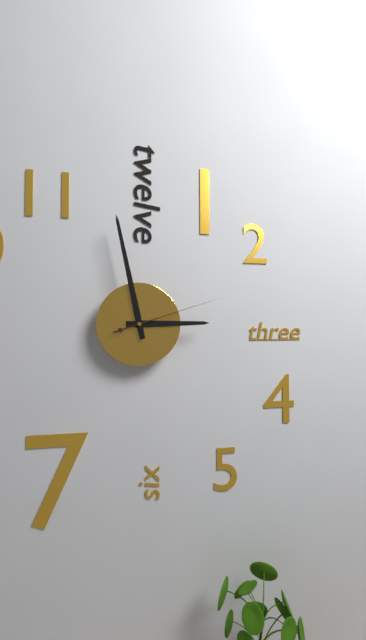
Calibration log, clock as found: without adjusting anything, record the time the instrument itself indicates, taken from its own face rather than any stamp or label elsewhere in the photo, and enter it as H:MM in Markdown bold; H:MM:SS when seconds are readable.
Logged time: **2:58:12**
